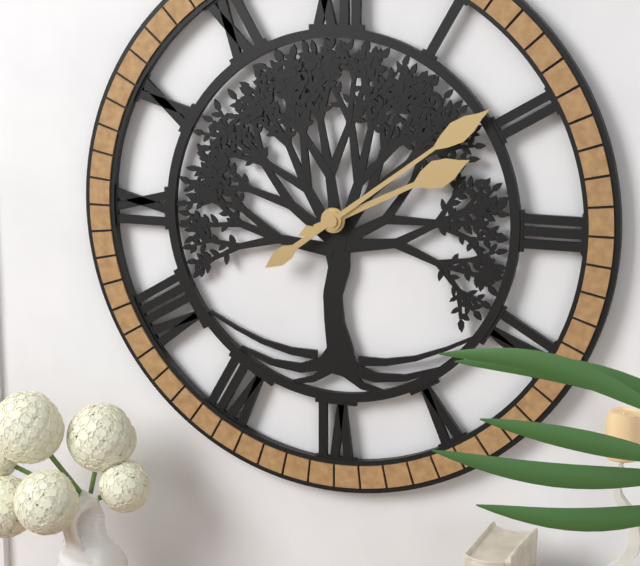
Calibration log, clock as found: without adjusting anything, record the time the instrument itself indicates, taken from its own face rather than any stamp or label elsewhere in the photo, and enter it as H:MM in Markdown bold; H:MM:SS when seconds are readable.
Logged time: **2:09**
